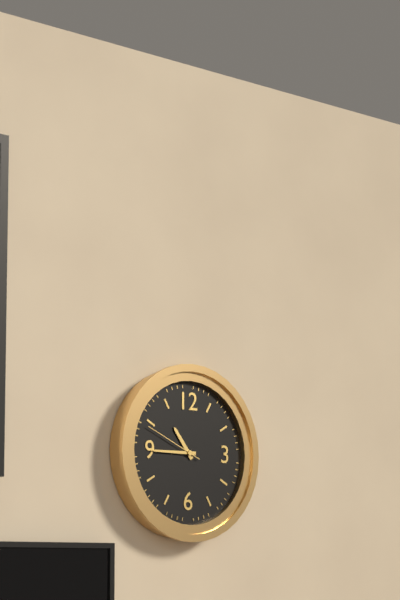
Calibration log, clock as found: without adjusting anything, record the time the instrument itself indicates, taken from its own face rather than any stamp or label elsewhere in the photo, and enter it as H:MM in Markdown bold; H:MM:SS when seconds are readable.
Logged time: **10:45:49**
